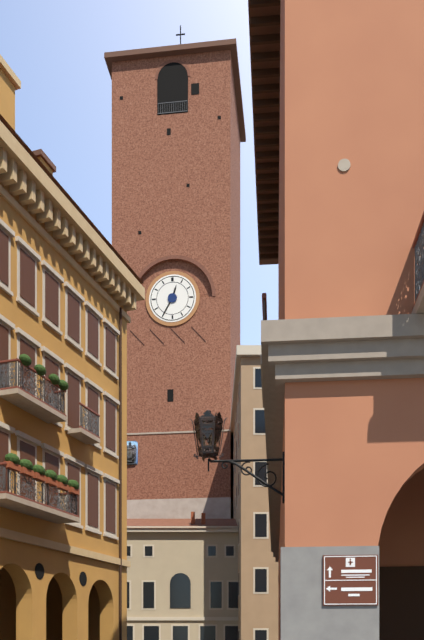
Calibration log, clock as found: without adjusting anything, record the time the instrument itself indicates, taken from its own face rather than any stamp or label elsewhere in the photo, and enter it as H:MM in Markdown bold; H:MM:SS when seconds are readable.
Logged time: **12:35**
